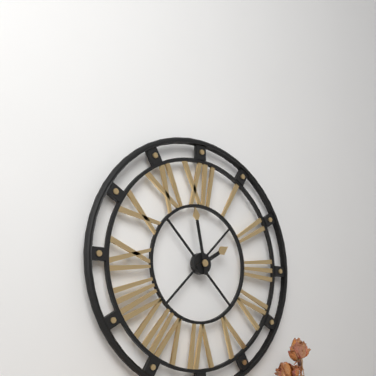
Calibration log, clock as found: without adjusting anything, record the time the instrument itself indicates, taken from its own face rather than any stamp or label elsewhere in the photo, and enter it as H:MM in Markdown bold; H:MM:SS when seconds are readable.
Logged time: **1:58**
